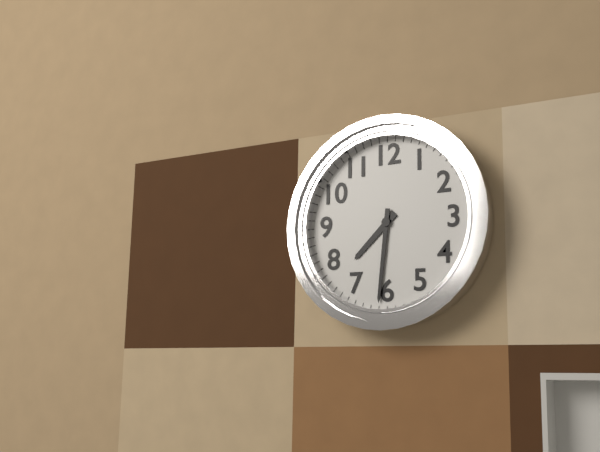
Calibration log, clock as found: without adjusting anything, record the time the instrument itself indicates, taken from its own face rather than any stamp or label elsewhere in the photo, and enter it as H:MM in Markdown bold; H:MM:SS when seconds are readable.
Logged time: **7:31**
